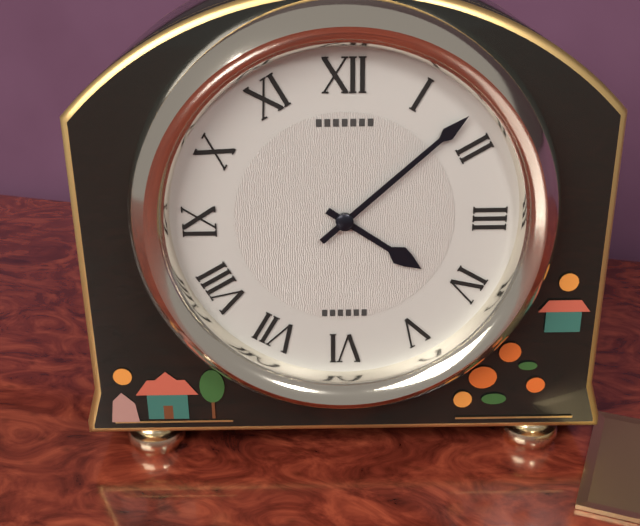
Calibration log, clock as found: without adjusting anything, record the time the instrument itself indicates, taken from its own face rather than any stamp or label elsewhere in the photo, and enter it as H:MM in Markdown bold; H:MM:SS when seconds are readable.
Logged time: **4:08**
